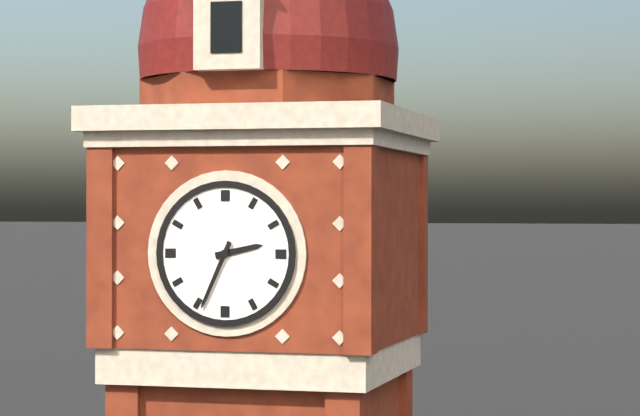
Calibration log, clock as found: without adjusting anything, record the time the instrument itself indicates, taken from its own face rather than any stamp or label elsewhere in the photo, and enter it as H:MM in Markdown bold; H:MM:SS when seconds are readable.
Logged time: **2:34**
